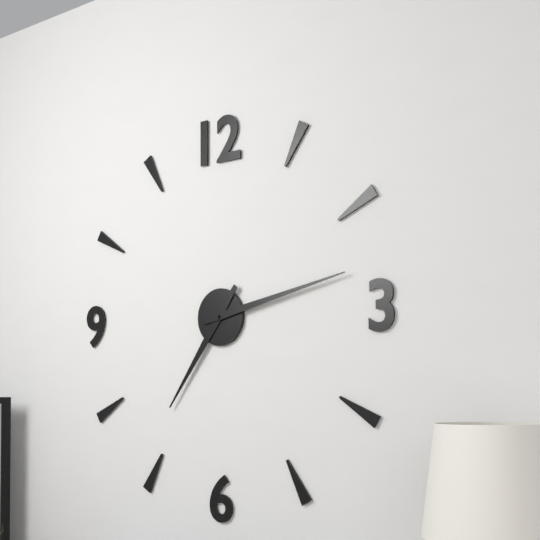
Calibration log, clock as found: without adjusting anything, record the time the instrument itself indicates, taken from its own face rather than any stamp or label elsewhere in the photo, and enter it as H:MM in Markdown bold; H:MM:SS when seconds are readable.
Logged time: **7:13**
